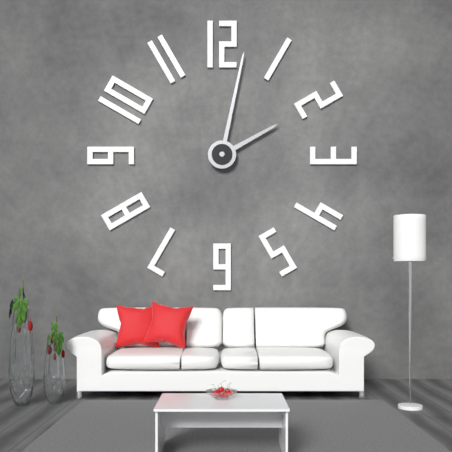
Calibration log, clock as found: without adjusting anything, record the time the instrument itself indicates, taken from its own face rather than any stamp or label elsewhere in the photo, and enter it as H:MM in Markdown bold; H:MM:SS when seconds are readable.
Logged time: **2:02**
